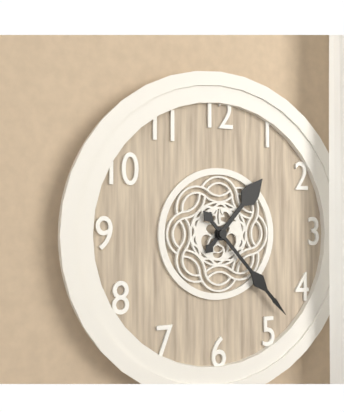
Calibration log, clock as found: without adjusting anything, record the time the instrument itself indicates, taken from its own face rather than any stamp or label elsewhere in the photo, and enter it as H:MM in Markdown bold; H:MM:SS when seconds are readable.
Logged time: **1:23**
